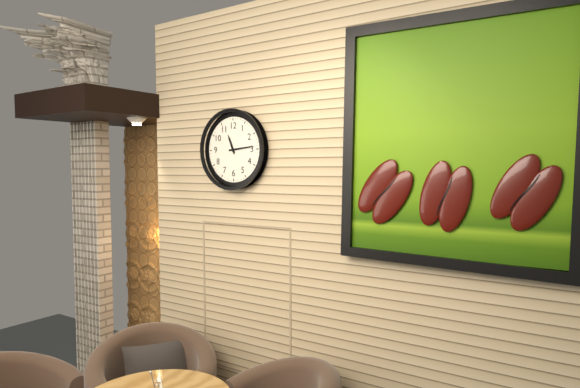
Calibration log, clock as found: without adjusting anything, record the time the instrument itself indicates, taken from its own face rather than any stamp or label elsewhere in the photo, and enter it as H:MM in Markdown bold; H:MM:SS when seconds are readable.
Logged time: **11:14**
